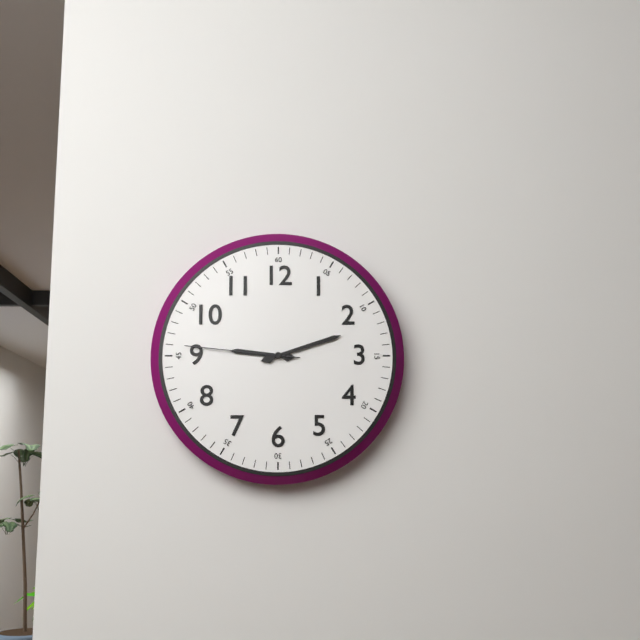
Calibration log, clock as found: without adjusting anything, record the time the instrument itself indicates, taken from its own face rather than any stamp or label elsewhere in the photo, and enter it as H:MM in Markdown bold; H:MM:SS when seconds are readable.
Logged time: **9:12:46**
